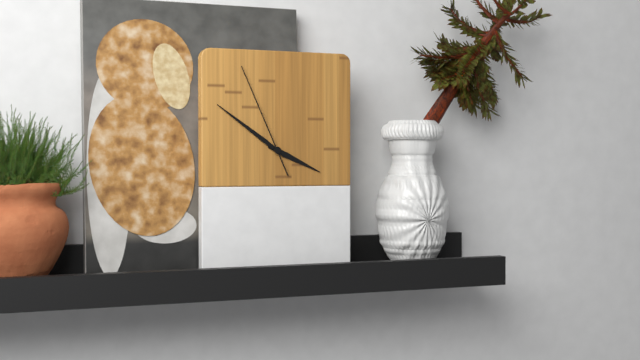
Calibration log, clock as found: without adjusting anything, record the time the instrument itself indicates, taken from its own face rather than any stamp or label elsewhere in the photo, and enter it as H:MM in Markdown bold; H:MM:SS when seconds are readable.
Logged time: **3:51:56**
